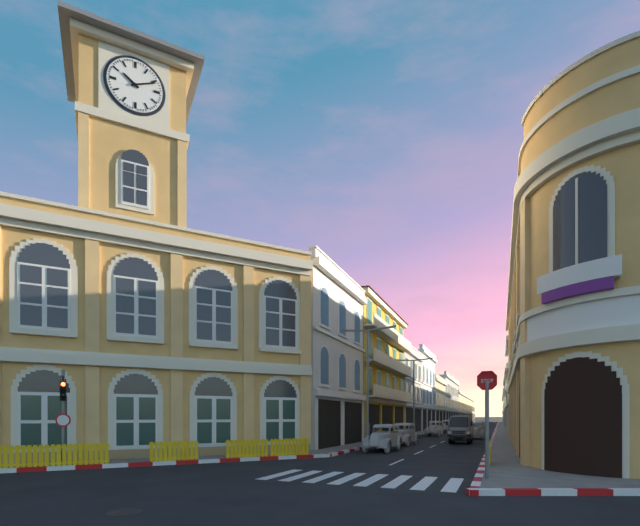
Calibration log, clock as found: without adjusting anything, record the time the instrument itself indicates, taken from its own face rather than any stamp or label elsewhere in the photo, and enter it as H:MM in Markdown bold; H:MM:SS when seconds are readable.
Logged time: **10:11**
